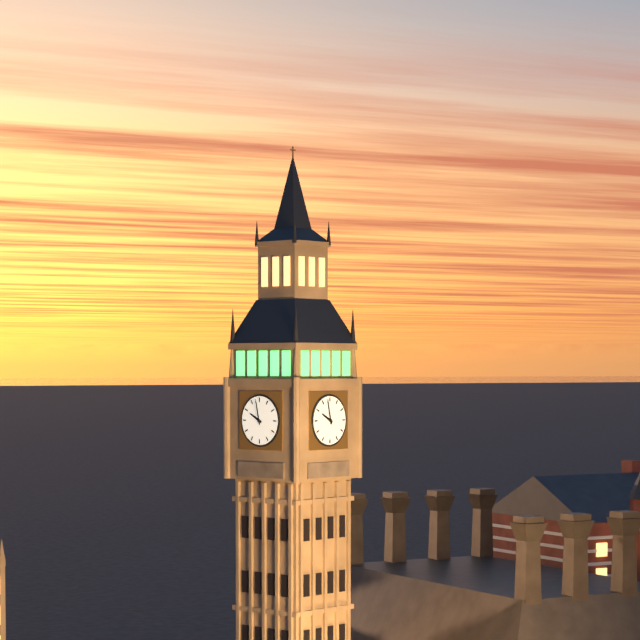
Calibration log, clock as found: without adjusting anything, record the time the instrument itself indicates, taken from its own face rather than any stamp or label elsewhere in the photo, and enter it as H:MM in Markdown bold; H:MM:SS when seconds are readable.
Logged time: **9:58**
